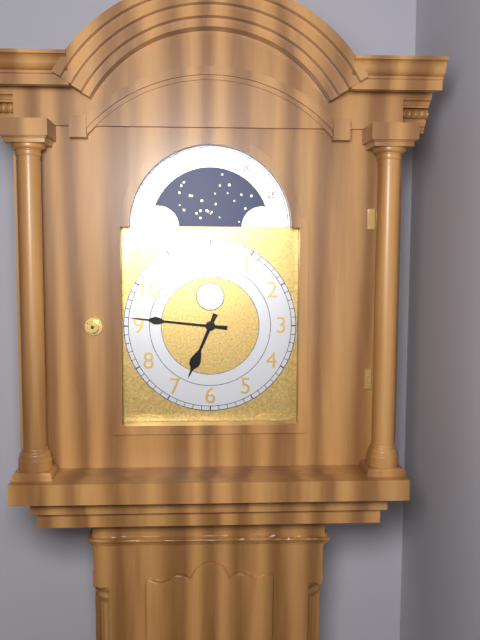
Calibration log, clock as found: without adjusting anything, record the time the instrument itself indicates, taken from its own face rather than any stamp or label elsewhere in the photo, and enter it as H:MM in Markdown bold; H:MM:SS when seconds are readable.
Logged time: **6:46**
